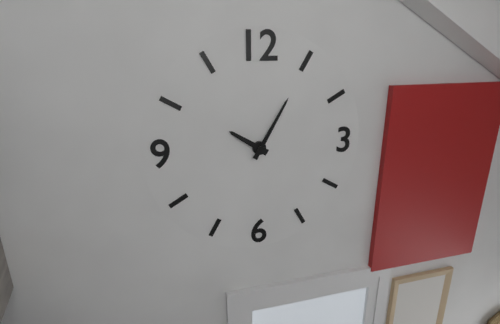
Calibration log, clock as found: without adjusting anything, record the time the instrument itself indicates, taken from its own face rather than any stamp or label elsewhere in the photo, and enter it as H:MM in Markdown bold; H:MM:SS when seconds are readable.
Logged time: **10:05**
